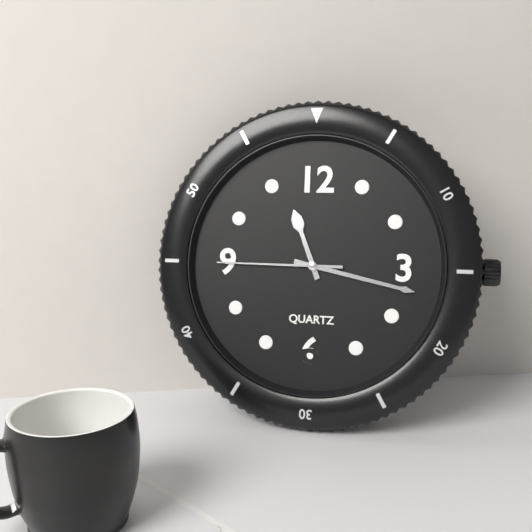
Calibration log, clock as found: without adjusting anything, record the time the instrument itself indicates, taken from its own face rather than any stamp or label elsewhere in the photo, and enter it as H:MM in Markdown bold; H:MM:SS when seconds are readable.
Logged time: **11:17:45**
